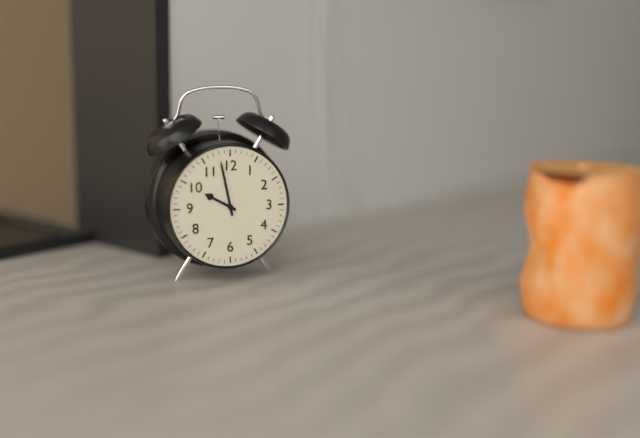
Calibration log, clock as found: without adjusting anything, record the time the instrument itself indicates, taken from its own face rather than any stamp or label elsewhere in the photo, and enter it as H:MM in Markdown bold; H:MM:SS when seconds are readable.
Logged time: **9:58**
